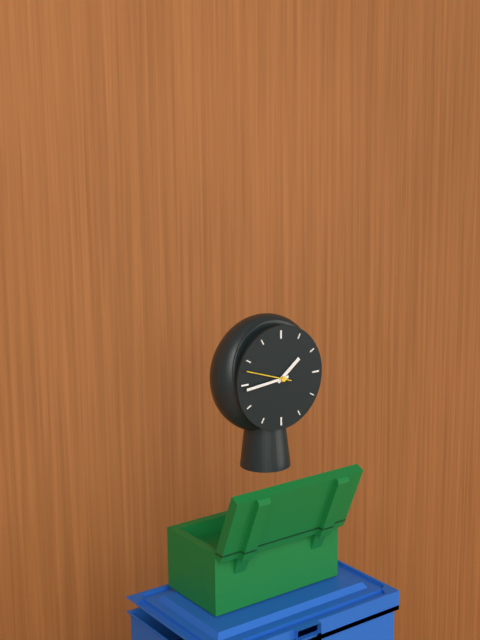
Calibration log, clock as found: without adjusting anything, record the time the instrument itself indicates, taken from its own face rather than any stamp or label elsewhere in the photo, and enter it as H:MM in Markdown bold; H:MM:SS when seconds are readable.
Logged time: **1:44**
